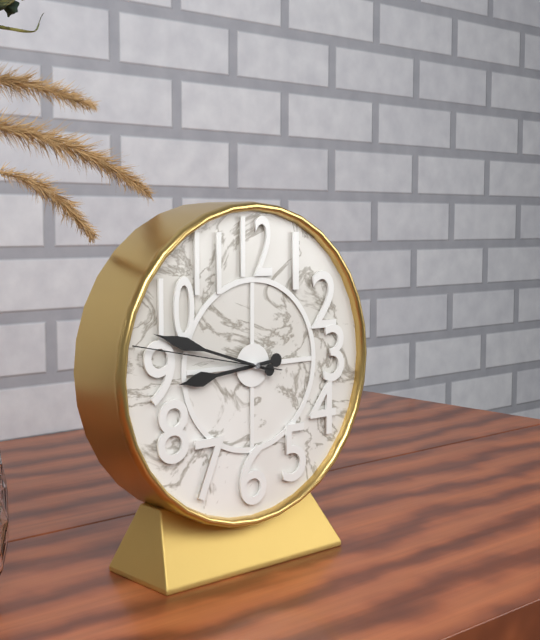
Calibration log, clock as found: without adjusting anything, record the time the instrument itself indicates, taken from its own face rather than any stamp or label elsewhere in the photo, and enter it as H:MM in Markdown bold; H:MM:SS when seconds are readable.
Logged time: **8:48:47**
